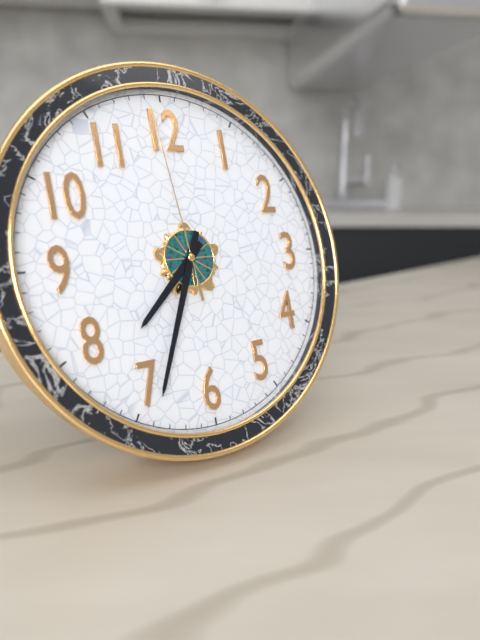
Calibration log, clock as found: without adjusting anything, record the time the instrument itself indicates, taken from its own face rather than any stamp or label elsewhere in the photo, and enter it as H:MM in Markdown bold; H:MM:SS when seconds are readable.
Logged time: **7:34:59**
